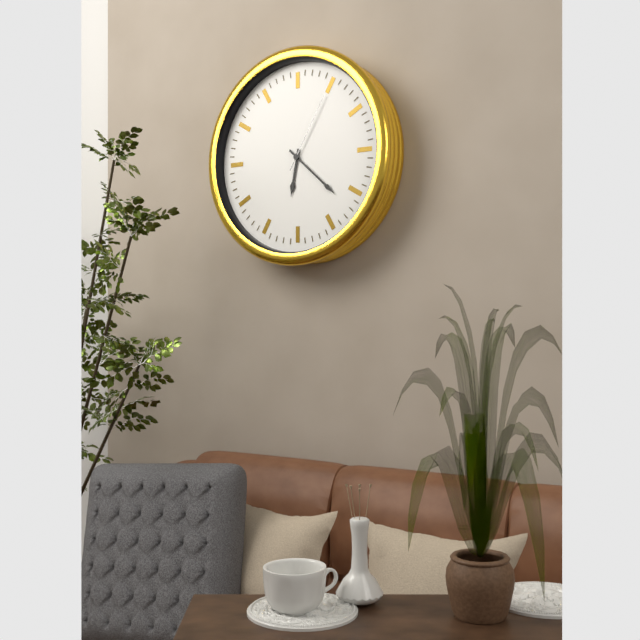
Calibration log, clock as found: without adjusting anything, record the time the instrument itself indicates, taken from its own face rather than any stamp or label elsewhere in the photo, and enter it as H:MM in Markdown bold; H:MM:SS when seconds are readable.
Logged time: **6:22:05**
